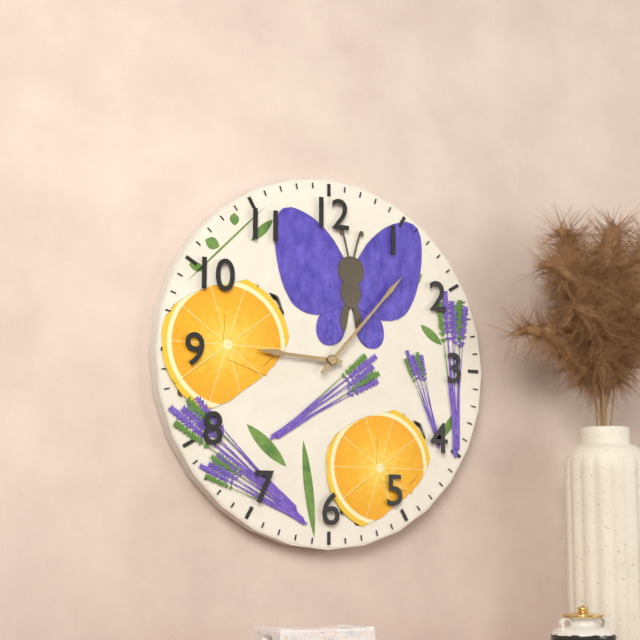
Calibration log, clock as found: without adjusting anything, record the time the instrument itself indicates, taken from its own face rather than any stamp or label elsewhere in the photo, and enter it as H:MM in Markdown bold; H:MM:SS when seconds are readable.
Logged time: **9:07**
